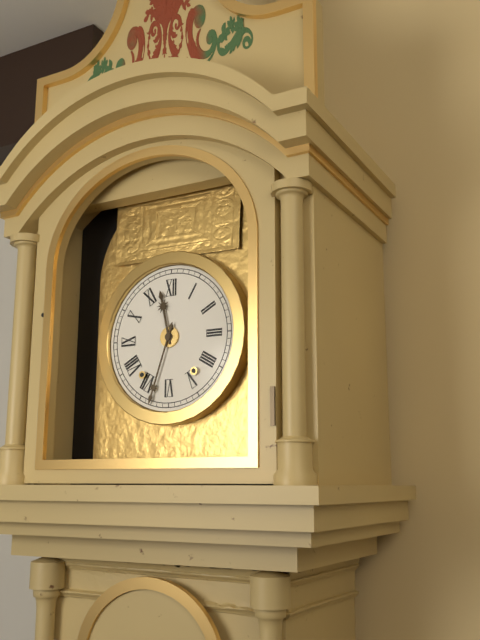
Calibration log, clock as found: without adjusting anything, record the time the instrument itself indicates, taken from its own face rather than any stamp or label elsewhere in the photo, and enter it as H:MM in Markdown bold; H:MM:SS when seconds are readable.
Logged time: **11:33**
